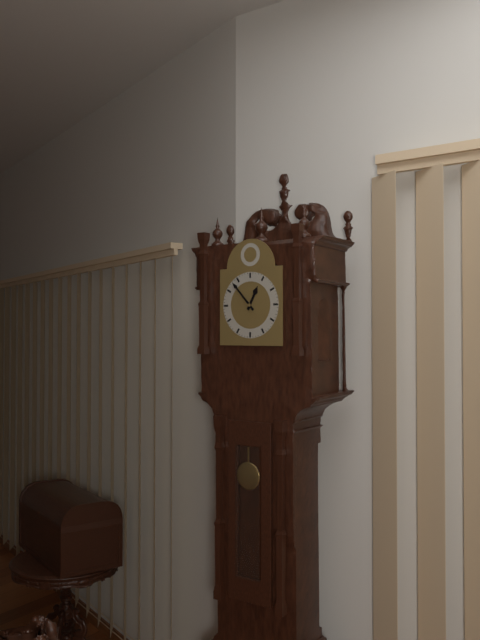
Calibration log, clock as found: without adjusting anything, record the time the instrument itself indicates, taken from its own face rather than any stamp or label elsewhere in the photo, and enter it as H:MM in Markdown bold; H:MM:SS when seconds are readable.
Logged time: **12:53**
